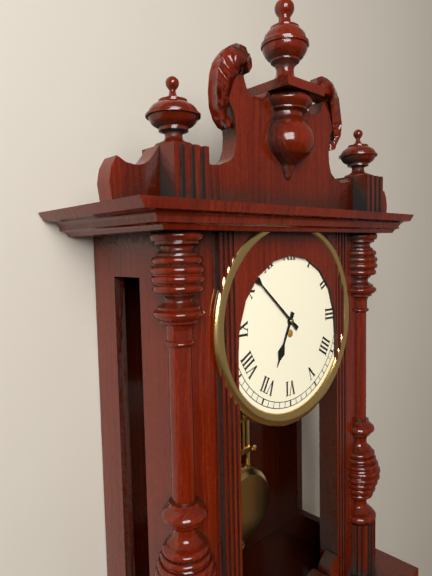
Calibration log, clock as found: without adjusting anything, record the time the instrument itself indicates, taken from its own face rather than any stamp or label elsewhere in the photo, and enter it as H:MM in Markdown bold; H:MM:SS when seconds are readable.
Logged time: **6:52**
